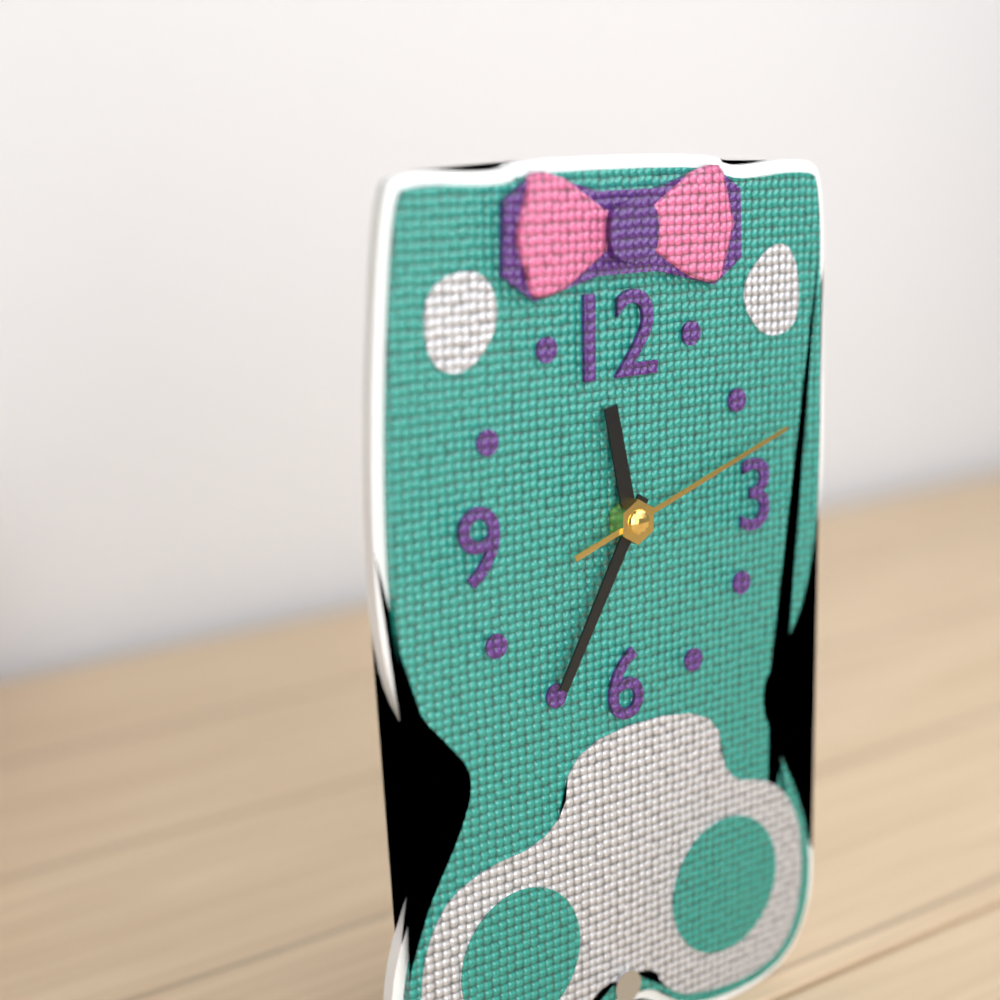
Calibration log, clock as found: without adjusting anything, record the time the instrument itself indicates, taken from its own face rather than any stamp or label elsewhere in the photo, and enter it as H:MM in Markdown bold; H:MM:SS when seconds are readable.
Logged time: **11:35:12**
